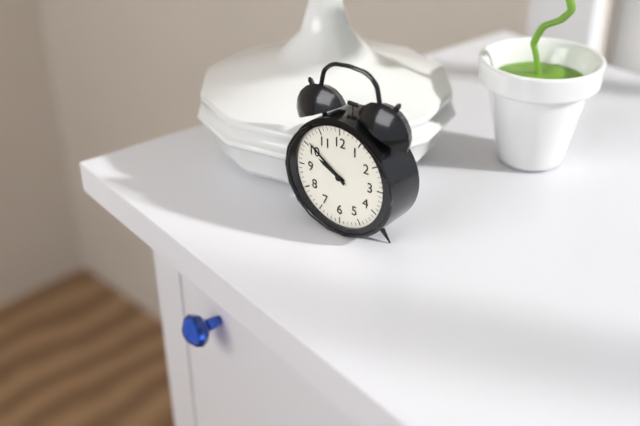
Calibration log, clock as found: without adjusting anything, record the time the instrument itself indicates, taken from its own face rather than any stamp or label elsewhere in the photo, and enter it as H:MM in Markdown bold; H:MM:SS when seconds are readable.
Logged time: **9:51**
